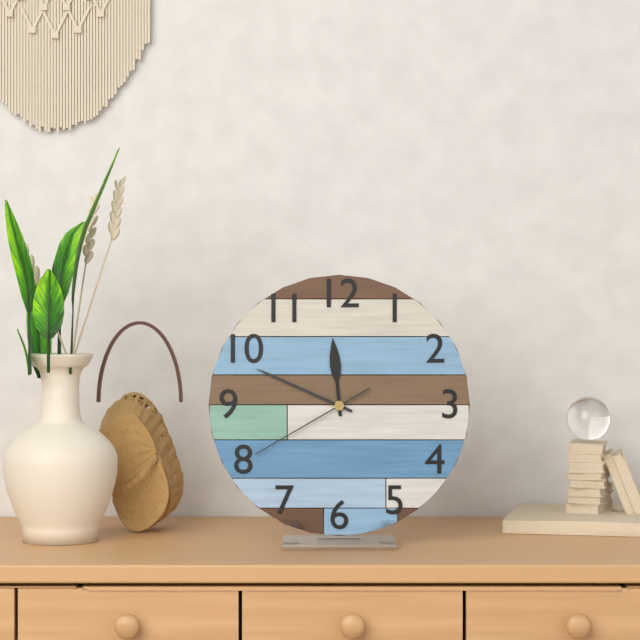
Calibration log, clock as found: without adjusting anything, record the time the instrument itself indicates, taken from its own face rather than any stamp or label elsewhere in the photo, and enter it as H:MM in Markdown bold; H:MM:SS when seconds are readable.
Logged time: **11:49:40**
